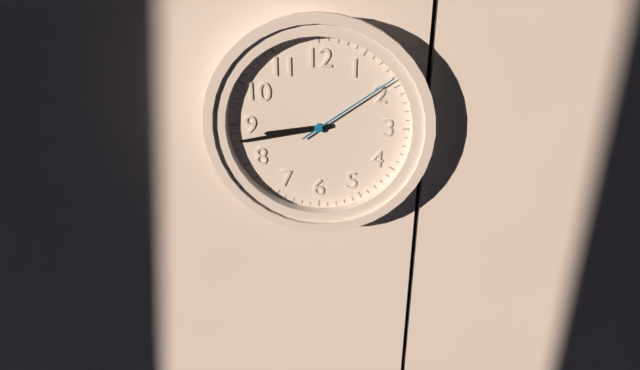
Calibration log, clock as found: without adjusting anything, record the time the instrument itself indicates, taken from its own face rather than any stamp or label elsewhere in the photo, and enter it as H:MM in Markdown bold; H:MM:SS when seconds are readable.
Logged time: **8:43:09**
